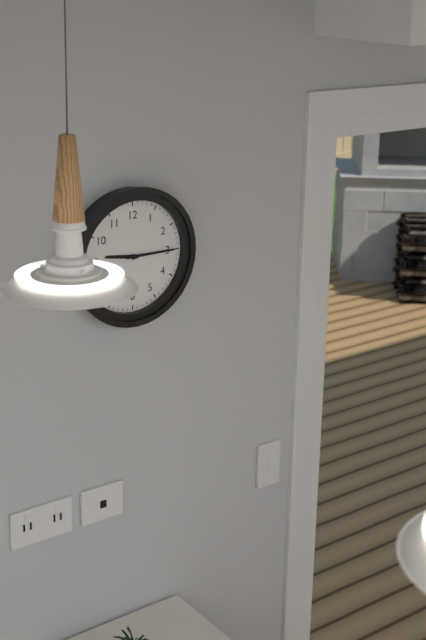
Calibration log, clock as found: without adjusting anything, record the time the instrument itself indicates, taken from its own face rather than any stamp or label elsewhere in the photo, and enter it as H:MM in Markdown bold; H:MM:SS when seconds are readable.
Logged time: **9:15**
